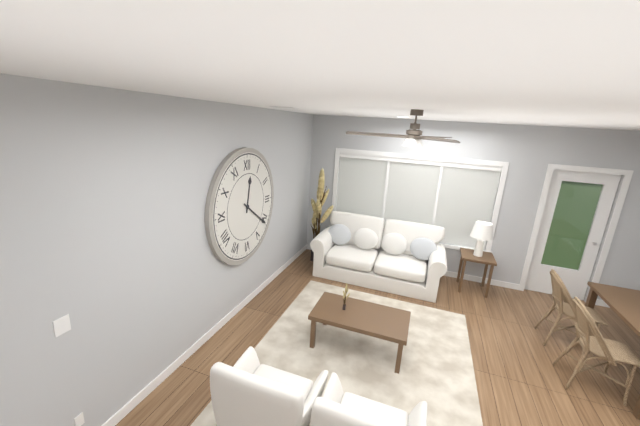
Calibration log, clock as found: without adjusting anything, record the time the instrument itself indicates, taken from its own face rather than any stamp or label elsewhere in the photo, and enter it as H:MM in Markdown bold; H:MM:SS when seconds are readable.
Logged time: **12:21**
